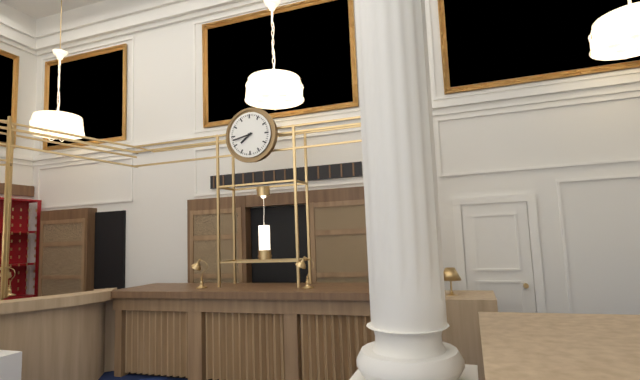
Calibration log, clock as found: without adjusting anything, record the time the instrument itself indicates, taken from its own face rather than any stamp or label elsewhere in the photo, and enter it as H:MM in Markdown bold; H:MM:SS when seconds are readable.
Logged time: **7:43**
